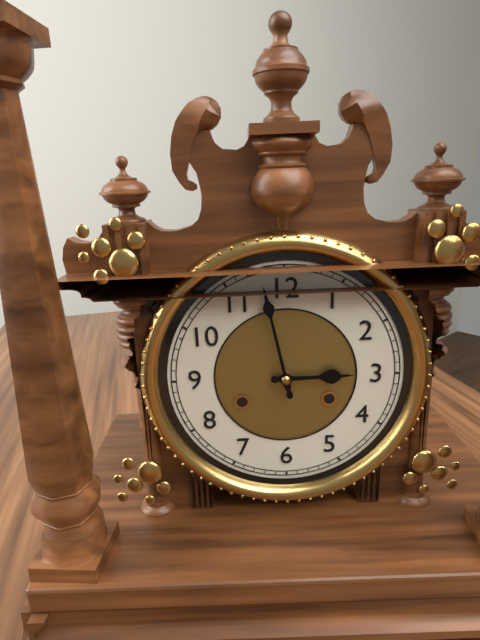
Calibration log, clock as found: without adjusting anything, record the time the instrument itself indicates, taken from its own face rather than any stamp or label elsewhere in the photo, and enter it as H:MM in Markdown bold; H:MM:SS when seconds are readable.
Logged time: **2:58**
